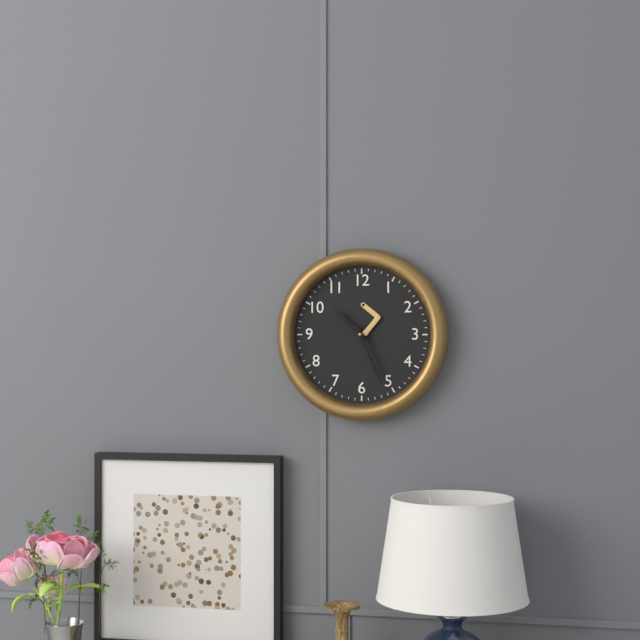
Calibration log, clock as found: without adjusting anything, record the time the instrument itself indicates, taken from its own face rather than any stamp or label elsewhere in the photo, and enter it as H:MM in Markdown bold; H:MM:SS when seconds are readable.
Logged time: **10:26**
